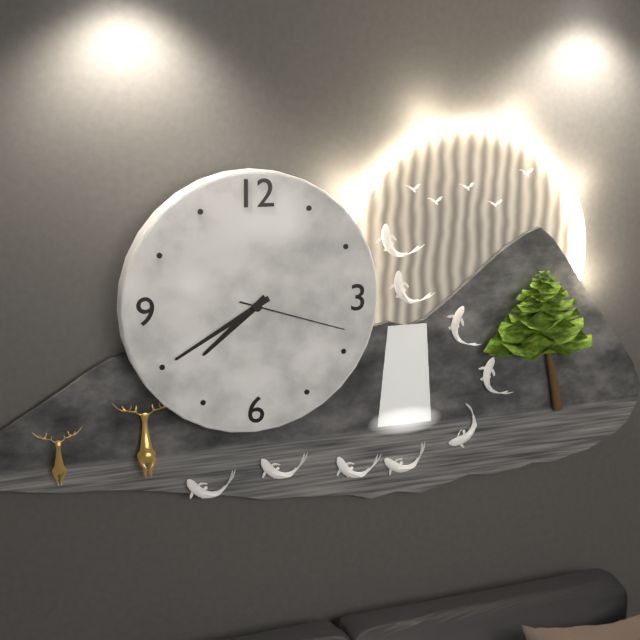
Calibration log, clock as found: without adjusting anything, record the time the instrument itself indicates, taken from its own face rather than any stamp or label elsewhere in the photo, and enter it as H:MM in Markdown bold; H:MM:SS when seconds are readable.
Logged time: **7:40:18**
